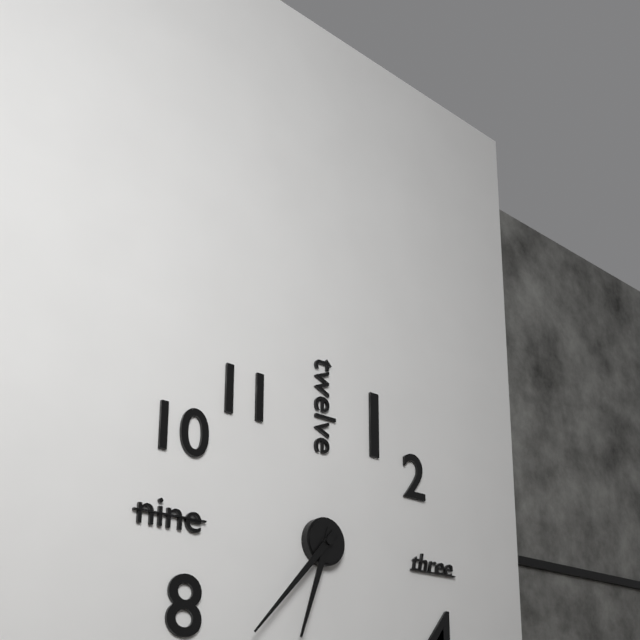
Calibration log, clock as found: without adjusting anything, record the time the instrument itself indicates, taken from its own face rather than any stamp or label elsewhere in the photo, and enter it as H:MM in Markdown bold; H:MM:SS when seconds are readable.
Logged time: **6:37**
